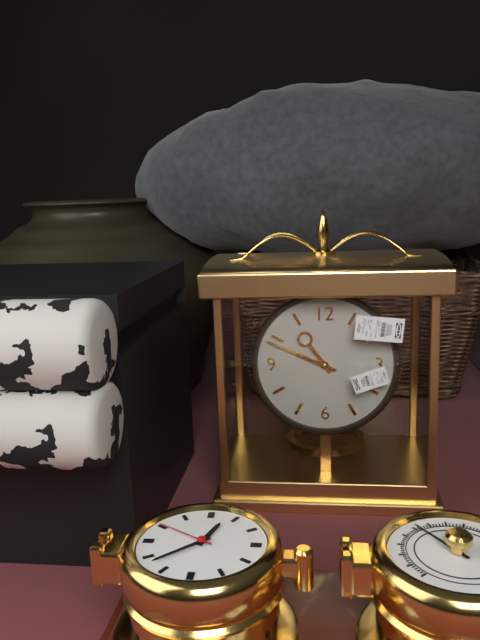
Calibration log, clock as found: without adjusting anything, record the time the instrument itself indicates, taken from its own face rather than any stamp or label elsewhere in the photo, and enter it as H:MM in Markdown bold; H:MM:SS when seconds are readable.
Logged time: **10:49**
